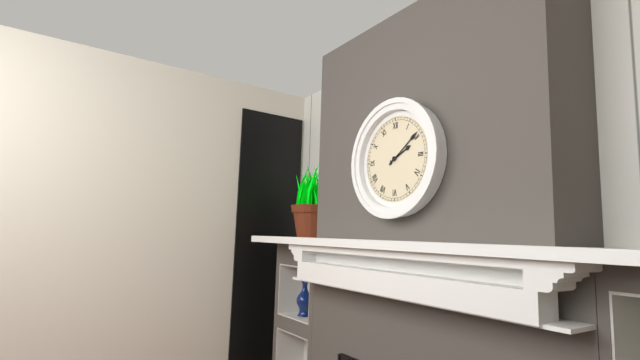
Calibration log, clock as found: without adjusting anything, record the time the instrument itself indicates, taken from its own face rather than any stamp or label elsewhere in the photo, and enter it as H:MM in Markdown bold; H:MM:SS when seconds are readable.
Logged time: **2:09**
